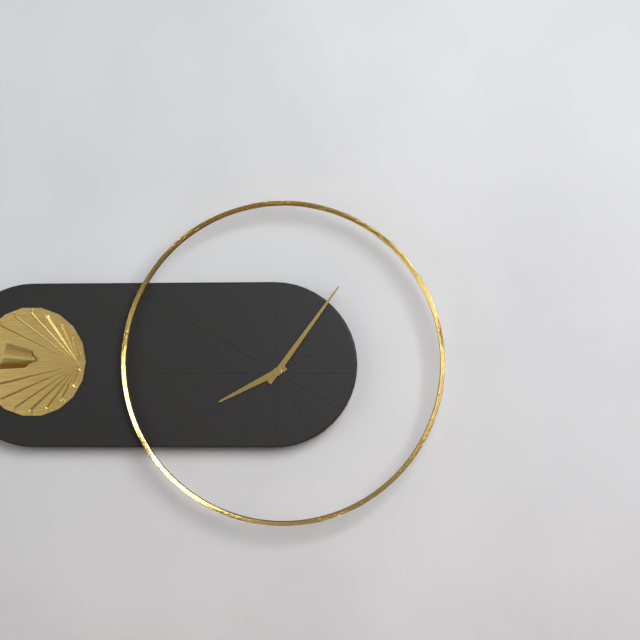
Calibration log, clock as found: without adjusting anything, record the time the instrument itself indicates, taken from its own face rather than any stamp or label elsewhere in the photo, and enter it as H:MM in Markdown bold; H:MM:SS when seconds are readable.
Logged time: **8:06**
